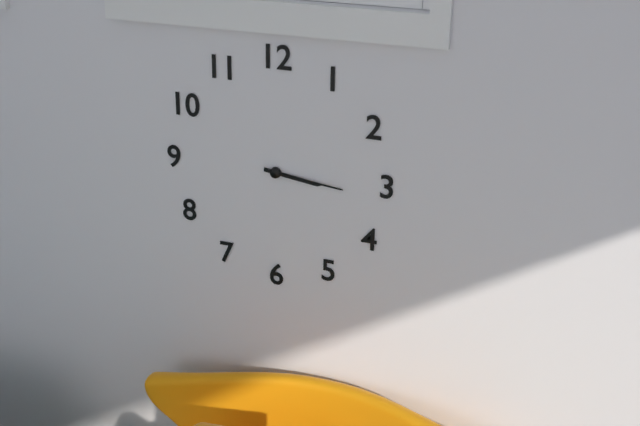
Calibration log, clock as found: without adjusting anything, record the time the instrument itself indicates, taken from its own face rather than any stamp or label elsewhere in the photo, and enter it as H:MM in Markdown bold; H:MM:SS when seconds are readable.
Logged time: **3:16**
